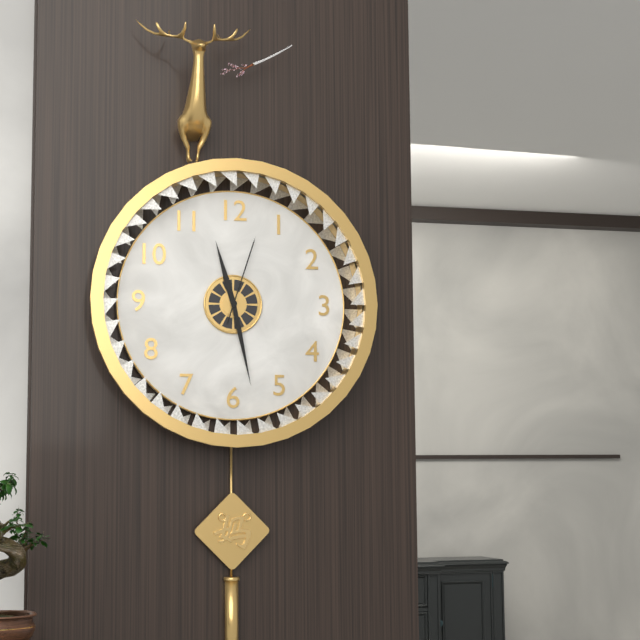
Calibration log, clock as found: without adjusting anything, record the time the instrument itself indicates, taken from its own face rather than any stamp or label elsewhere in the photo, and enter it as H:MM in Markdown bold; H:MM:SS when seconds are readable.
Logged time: **11:28:03**
